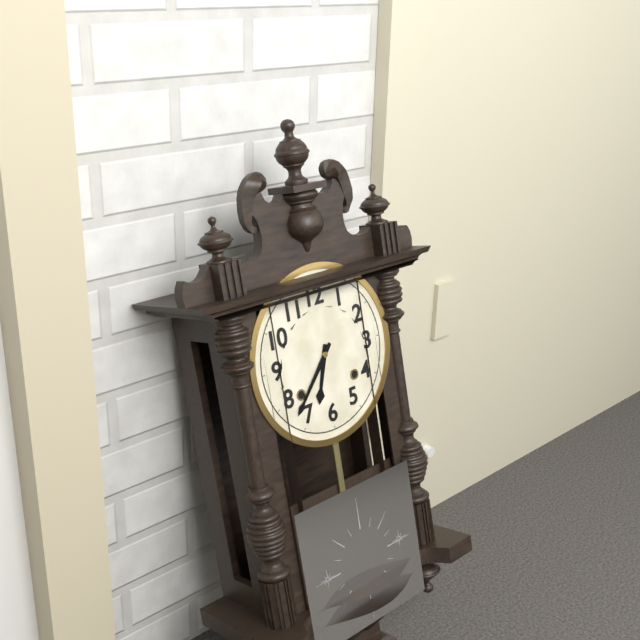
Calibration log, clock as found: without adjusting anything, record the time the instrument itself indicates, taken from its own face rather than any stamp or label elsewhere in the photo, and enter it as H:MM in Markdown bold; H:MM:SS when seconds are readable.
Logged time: **6:37**
